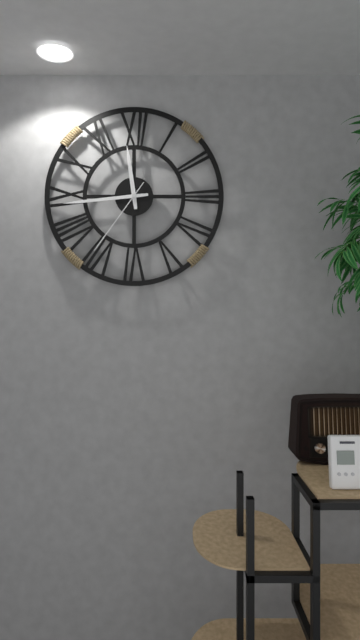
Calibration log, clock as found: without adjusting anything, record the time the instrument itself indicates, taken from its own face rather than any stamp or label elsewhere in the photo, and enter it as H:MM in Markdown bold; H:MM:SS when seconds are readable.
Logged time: **11:44:36**
